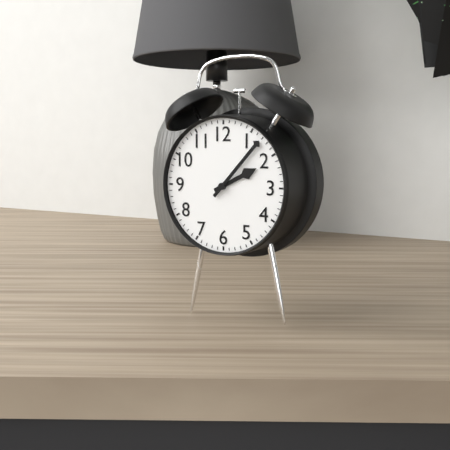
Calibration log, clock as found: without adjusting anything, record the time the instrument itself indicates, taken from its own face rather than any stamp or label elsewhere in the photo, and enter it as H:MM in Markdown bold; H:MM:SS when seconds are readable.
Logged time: **2:07**
